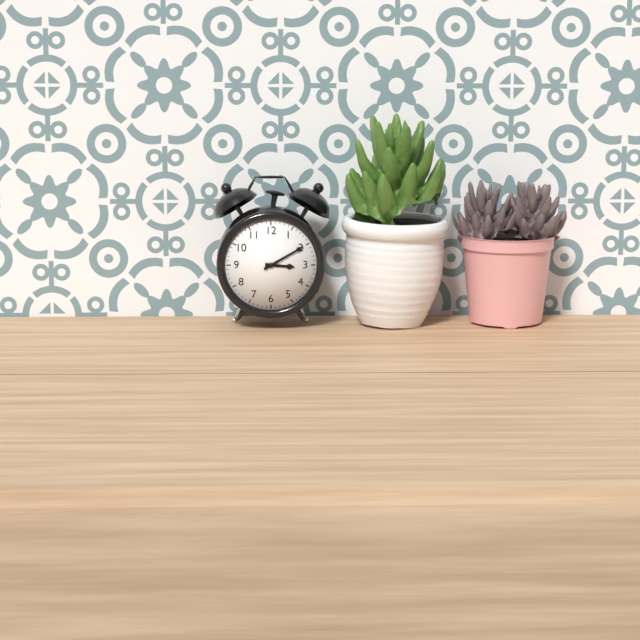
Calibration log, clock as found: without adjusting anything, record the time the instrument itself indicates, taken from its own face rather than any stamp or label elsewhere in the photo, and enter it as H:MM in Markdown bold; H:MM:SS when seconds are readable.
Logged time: **3:10**
